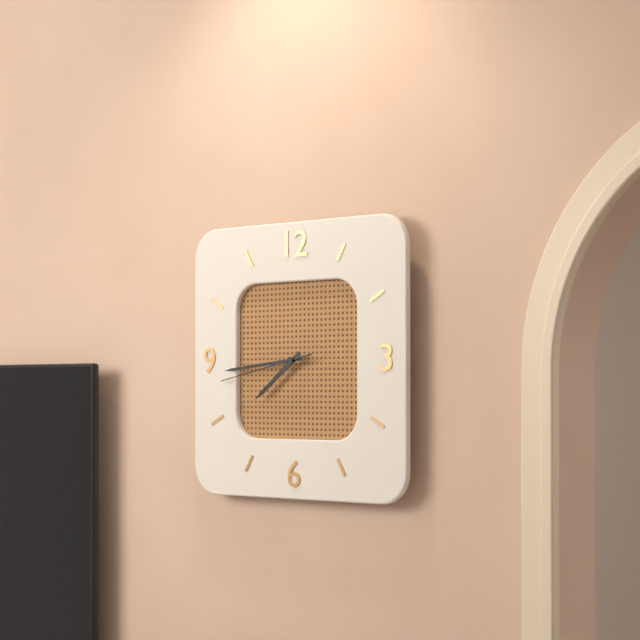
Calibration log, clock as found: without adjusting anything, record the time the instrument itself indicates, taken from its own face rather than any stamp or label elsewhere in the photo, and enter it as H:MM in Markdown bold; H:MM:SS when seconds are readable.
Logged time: **7:44:43**
